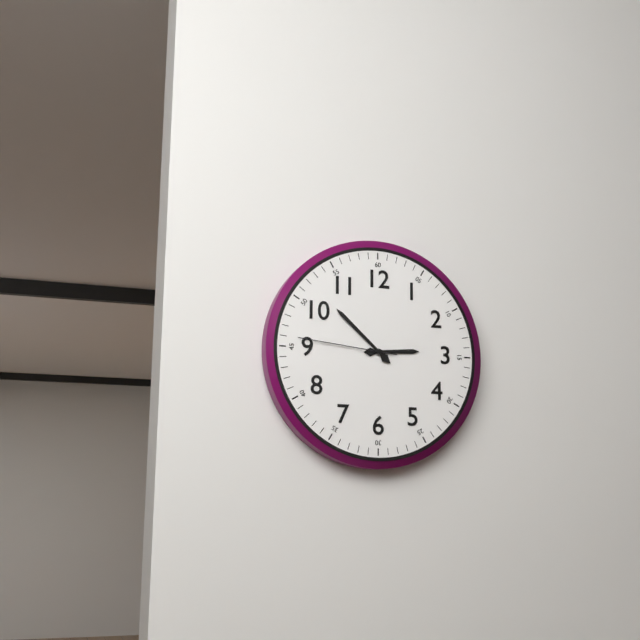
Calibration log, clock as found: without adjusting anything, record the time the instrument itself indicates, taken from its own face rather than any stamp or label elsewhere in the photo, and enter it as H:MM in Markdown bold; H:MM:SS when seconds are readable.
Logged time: **2:52:46**
